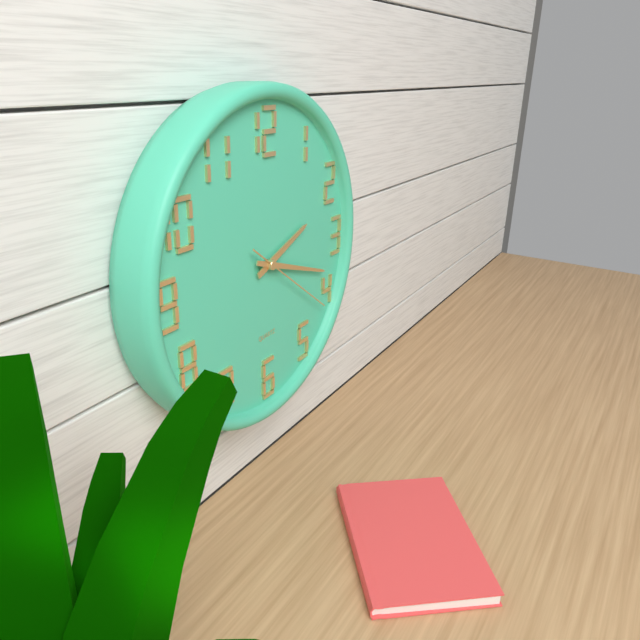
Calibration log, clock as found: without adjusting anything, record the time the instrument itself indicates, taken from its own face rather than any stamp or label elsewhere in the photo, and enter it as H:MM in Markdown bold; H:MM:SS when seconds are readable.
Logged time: **2:18:21**
